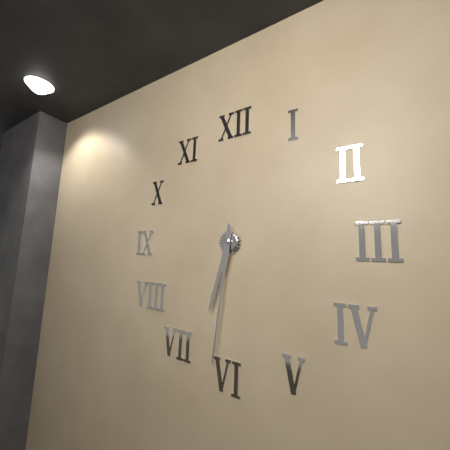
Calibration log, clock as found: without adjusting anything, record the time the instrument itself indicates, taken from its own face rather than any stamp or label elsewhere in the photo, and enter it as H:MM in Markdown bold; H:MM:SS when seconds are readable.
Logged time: **6:31**
